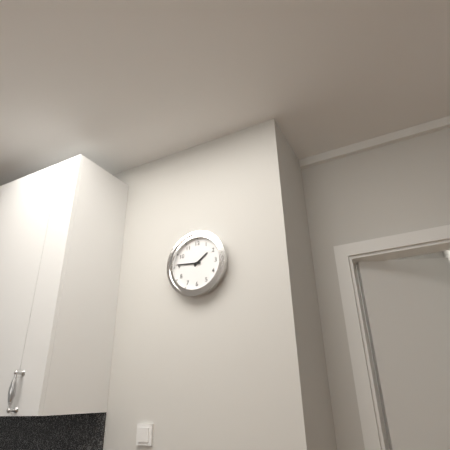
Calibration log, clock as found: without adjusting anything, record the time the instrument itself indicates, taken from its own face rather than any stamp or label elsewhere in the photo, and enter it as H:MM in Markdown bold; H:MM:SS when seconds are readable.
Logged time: **1:46**
